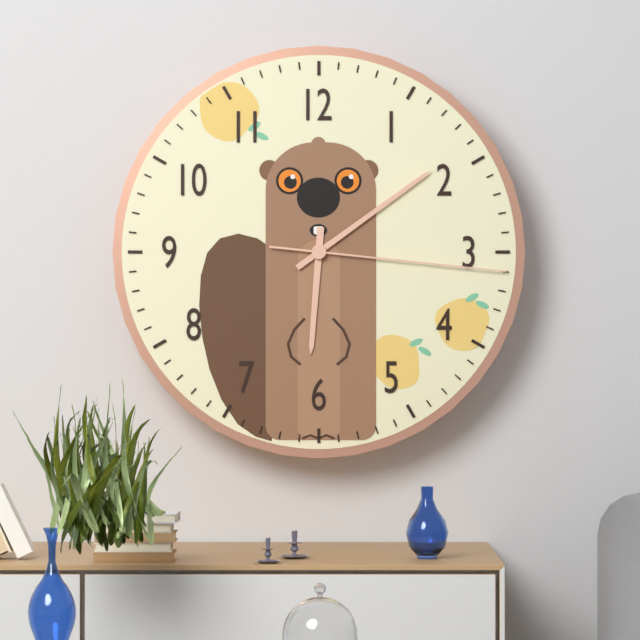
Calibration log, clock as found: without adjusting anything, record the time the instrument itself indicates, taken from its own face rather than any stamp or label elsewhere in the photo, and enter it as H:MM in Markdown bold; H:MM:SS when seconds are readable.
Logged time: **6:09:16**
